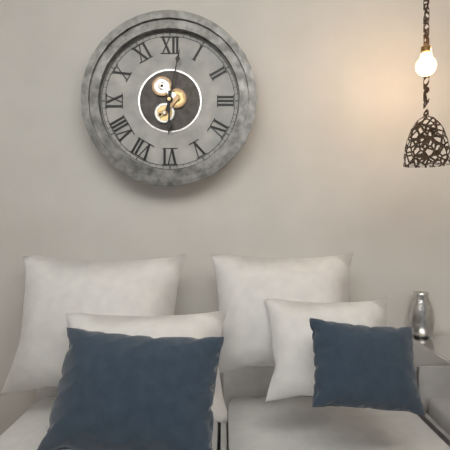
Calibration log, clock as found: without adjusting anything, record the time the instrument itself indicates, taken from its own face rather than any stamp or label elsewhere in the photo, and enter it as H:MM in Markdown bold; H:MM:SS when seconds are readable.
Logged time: **6:02**
